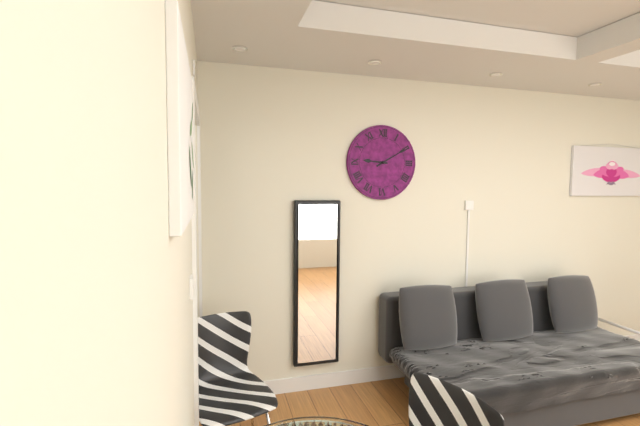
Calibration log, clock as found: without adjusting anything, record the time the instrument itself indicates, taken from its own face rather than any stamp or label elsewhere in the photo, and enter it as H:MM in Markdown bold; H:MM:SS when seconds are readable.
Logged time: **9:10**
